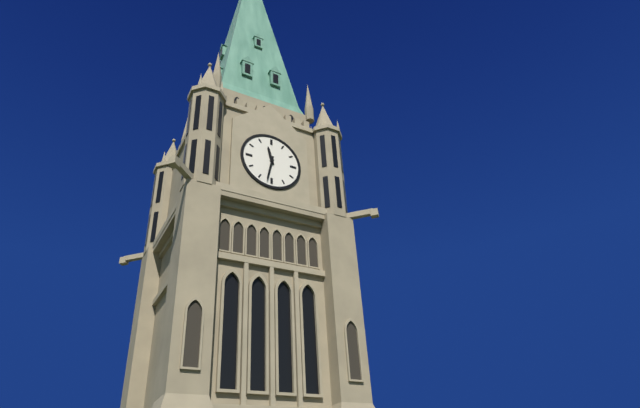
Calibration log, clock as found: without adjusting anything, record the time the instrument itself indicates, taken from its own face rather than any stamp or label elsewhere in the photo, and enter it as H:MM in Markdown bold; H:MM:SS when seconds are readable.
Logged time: **11:32**
